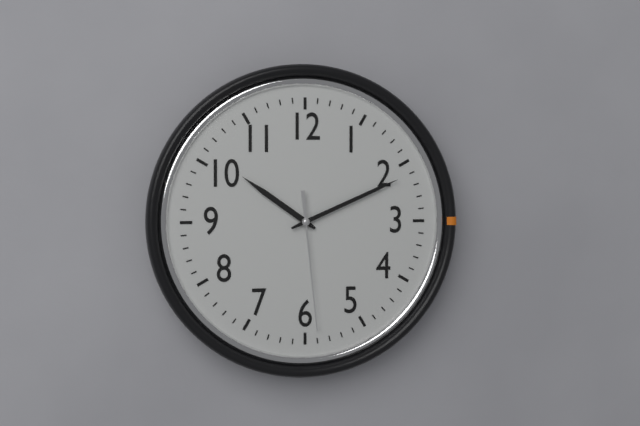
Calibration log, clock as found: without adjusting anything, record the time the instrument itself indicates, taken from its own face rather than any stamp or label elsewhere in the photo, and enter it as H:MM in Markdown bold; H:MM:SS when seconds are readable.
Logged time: **10:11:29**
